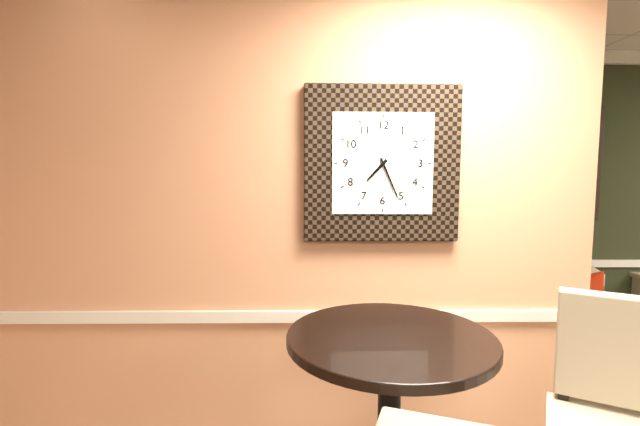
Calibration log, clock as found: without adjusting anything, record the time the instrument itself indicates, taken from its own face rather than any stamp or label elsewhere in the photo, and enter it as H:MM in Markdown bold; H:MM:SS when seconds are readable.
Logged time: **7:26**
